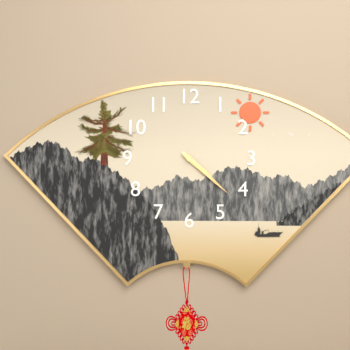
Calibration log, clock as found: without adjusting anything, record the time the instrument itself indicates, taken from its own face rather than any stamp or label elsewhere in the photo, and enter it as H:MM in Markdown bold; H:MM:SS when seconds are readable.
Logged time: **4:22**
